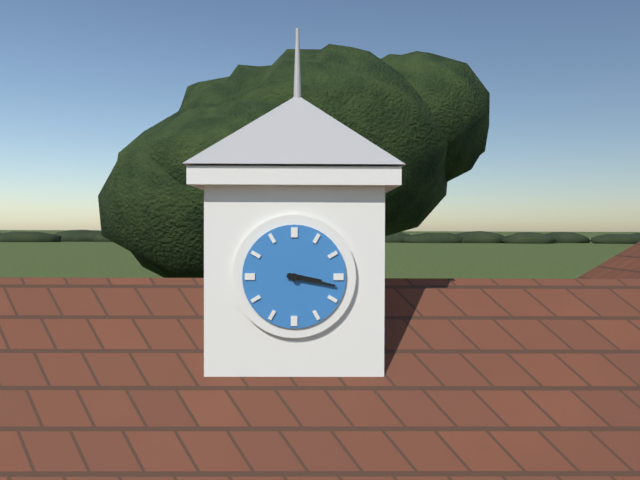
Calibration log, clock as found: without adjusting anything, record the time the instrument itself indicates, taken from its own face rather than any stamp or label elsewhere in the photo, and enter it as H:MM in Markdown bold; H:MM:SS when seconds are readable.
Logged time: **3:17**
